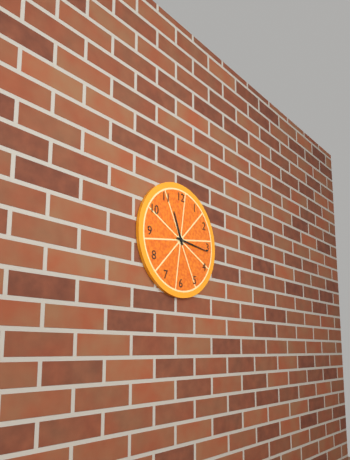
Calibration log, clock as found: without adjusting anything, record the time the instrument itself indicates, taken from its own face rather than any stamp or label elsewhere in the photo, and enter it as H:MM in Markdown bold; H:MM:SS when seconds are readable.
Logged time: **11:16**
